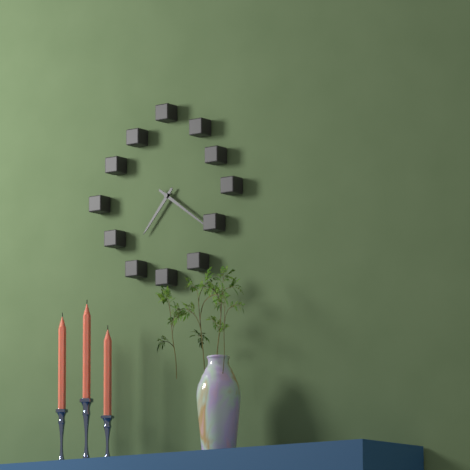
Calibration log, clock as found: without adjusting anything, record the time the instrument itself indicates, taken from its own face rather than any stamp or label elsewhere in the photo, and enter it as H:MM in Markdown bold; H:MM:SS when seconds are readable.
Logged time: **7:21**
